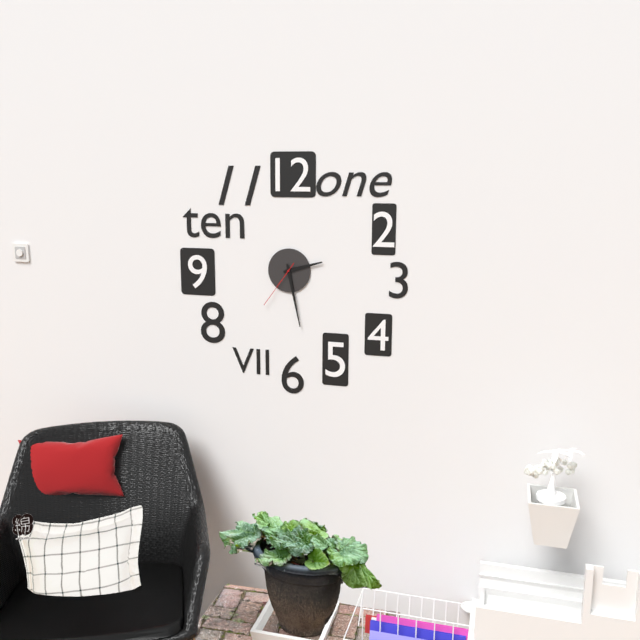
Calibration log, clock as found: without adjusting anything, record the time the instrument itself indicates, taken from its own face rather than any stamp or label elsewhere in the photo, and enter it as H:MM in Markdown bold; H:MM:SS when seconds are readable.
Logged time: **2:28:36**
